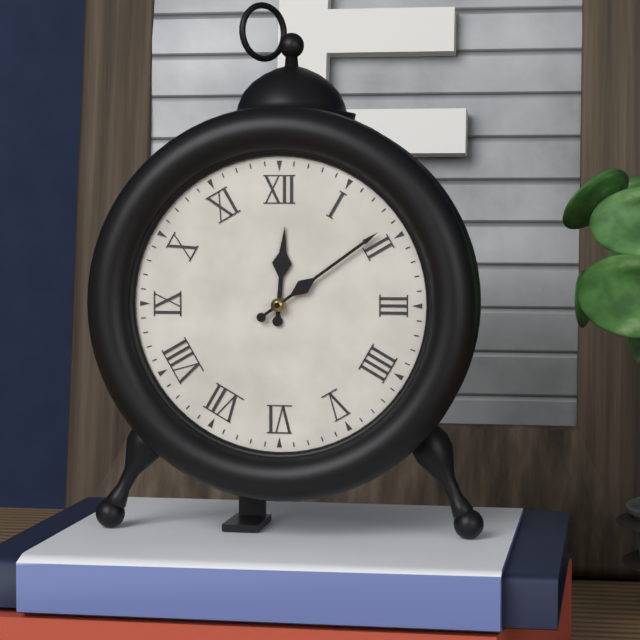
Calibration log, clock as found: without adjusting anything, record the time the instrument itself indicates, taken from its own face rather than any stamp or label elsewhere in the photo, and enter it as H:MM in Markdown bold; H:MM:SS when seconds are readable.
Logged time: **12:09**
